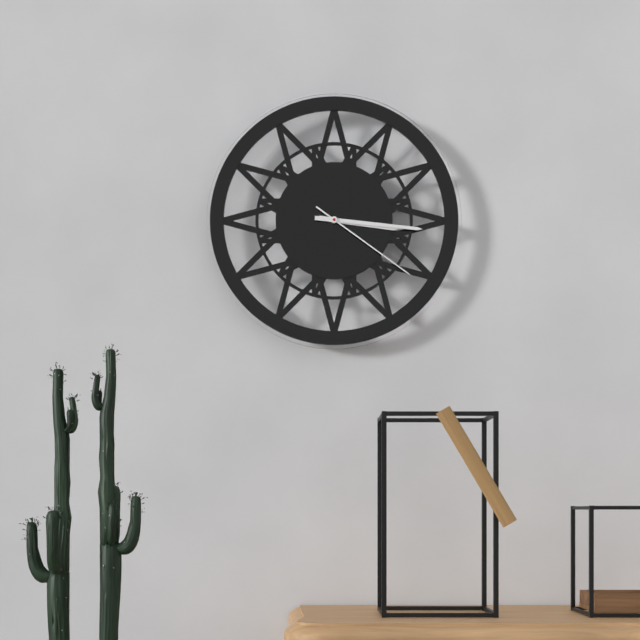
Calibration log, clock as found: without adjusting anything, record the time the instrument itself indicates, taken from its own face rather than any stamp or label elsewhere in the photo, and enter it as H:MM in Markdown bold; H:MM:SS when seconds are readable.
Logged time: **3:16:21**
